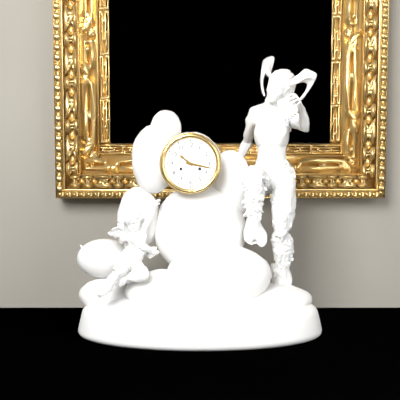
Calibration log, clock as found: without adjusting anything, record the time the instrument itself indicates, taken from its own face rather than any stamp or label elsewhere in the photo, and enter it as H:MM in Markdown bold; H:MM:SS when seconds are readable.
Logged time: **10:17**
